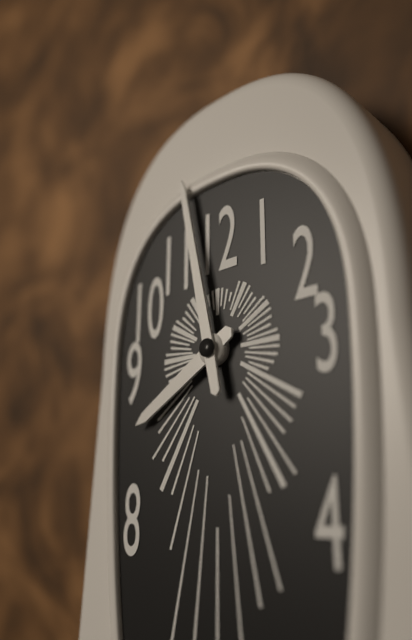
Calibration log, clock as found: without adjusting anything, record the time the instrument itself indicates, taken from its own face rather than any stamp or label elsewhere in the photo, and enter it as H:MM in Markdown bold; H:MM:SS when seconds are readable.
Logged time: **7:58**
